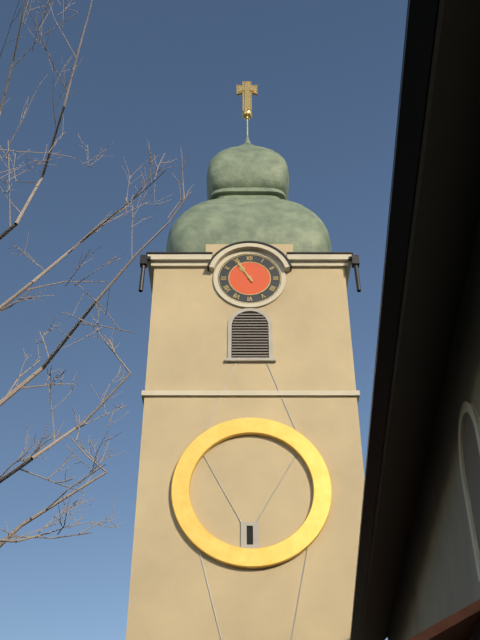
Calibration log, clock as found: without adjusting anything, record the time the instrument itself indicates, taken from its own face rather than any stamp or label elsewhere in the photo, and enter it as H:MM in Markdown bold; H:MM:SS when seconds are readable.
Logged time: **10:55**
